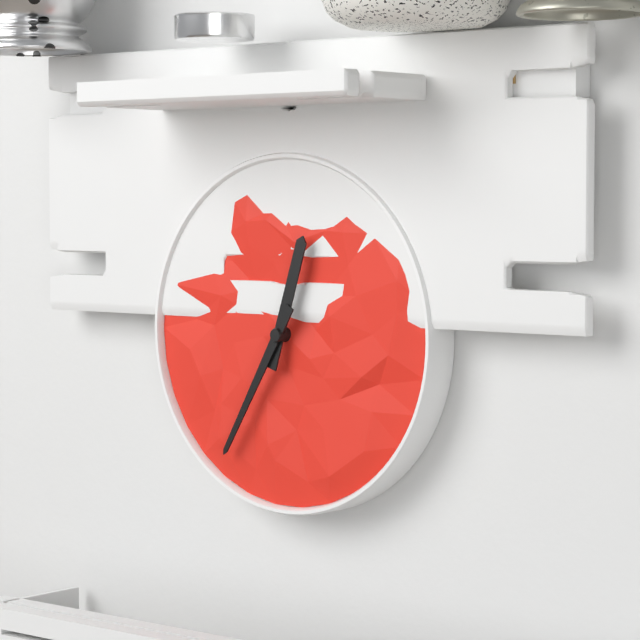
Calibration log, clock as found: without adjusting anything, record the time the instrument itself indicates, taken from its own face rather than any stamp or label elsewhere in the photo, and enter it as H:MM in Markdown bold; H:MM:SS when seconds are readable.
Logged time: **12:35**
